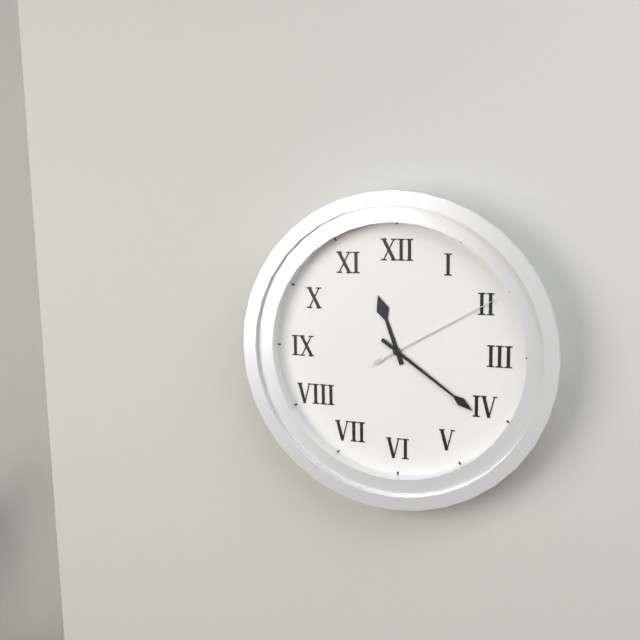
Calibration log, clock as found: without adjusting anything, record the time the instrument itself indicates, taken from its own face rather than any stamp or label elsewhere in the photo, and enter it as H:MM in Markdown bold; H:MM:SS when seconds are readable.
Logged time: **11:21:10**
